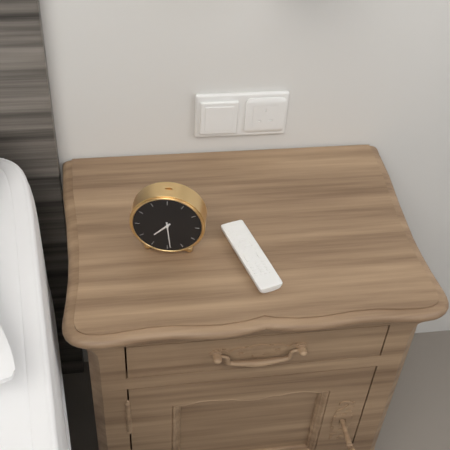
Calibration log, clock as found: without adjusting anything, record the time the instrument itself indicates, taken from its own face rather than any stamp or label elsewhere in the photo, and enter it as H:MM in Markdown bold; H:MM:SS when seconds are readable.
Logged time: **7:29**
